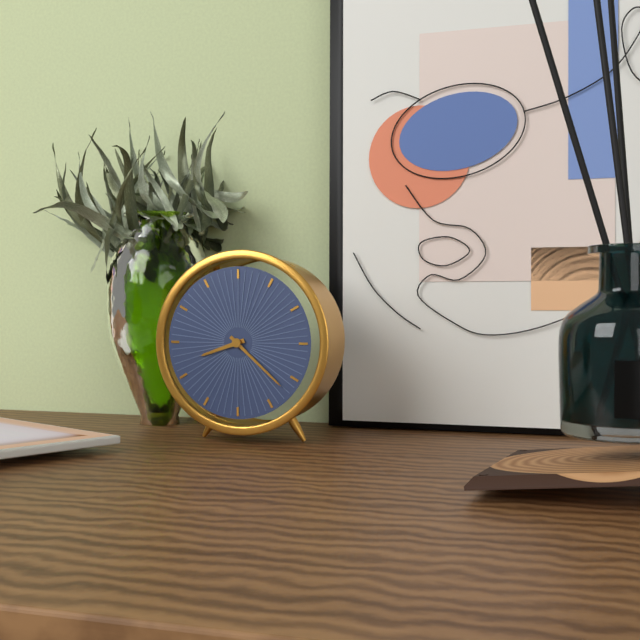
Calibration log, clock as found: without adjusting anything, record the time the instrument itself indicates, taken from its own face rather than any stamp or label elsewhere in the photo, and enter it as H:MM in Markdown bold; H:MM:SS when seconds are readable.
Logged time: **8:22**
